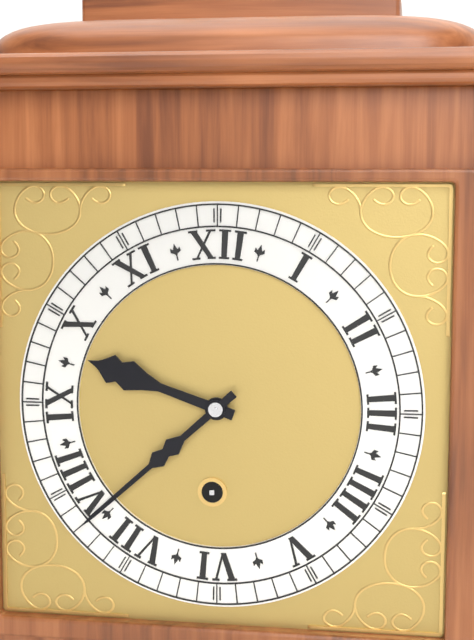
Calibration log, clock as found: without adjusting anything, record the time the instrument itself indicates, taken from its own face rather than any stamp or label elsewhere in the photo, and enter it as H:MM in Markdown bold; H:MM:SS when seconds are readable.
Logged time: **9:38**
